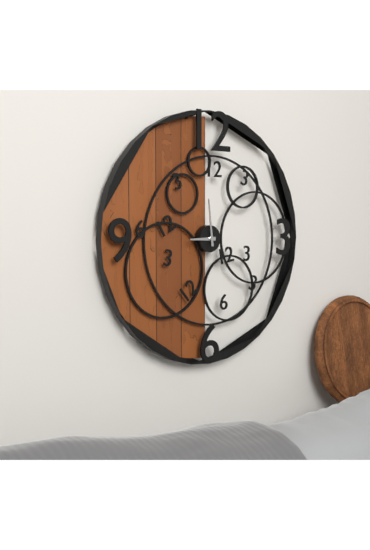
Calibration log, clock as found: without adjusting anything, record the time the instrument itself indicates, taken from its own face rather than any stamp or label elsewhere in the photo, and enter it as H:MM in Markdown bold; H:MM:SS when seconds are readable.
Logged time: **8:59**
